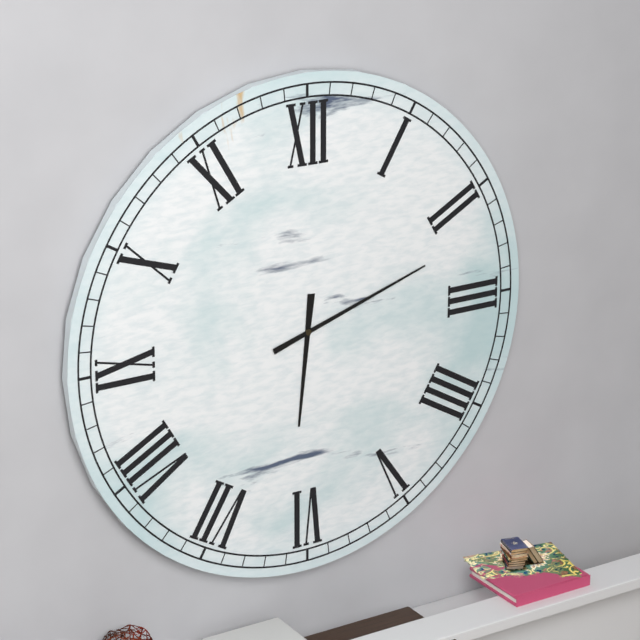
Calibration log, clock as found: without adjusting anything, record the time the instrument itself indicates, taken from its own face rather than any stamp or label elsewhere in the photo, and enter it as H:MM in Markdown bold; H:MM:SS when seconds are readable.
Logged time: **6:12**
